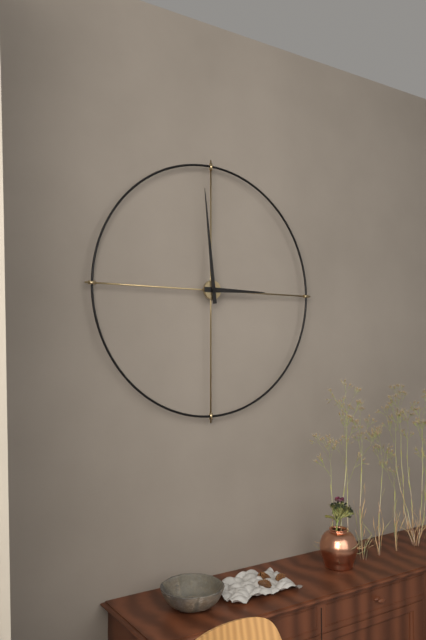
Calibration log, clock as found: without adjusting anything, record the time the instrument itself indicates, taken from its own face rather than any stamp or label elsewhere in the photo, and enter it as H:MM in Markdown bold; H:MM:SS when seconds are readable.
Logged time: **2:59**
